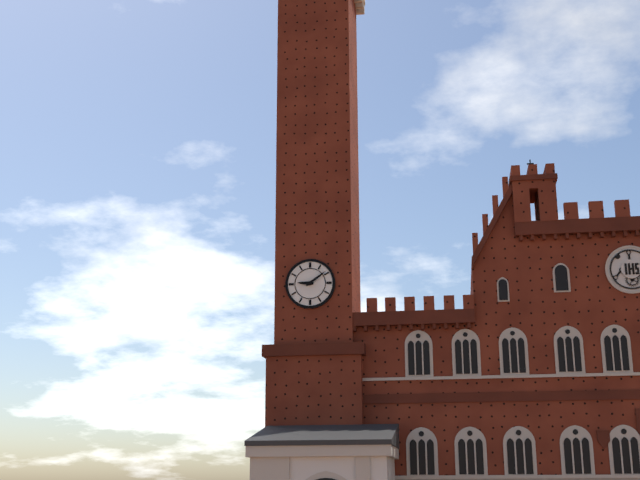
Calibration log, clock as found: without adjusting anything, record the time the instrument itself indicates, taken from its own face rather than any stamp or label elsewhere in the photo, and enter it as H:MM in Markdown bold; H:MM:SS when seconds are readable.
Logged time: **9:09**
